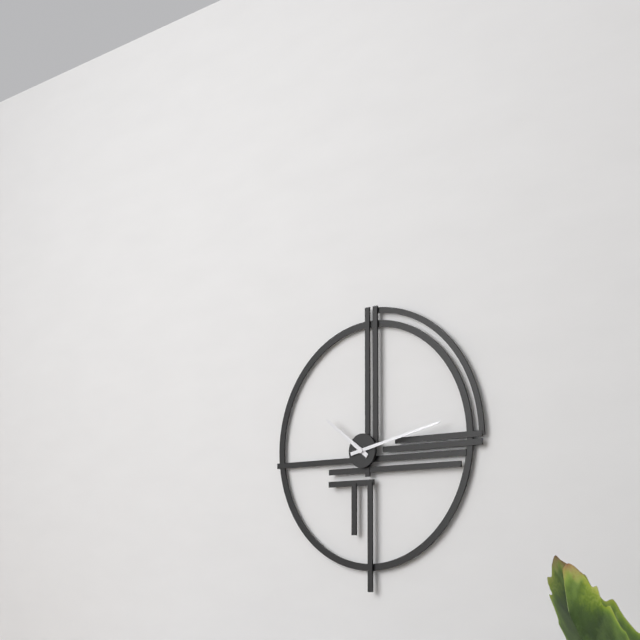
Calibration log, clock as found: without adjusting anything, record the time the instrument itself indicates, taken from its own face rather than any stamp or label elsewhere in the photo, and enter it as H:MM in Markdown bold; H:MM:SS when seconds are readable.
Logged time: **10:13**
